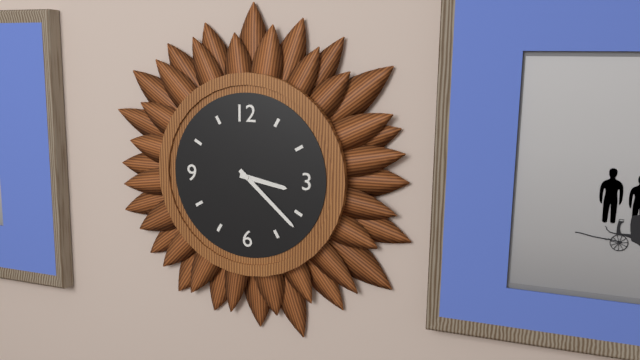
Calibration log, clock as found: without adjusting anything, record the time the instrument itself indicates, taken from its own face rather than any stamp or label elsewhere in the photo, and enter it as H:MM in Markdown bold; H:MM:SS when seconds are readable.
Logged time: **3:22**
